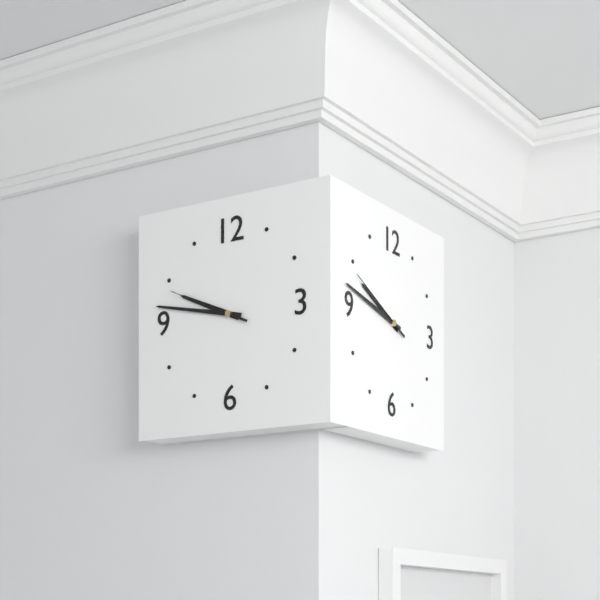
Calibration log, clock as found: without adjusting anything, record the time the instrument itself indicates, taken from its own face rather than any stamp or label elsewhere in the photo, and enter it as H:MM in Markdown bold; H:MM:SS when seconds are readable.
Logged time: **9:47:49**
